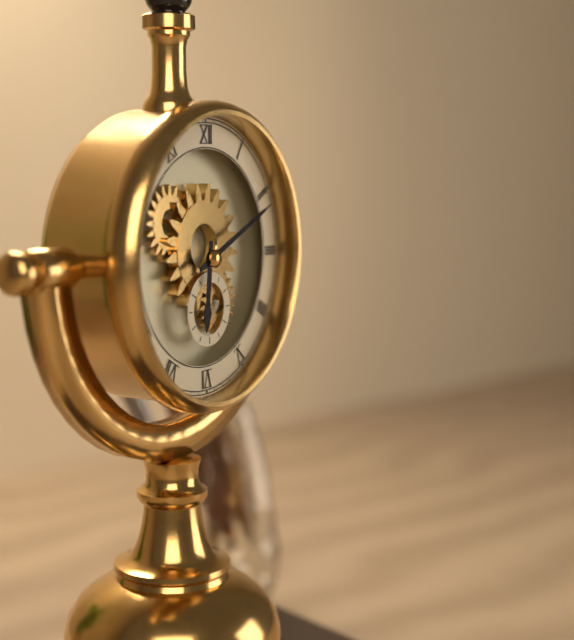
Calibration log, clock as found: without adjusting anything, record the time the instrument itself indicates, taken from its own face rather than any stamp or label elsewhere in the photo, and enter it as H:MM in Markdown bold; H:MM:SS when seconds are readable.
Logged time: **6:11**
